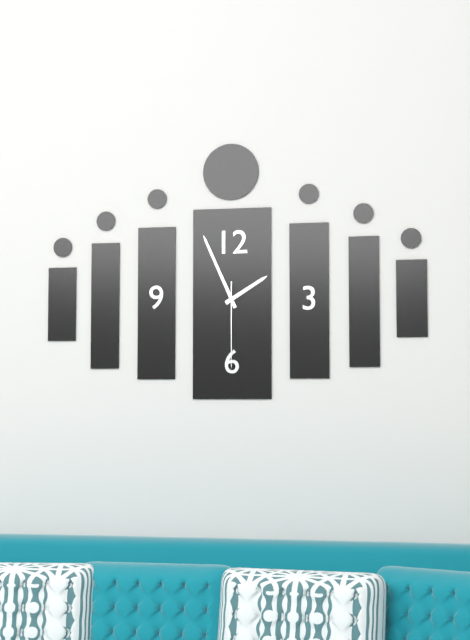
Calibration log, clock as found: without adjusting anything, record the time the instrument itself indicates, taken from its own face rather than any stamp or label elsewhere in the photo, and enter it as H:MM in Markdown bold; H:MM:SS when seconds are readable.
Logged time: **1:56:30**
